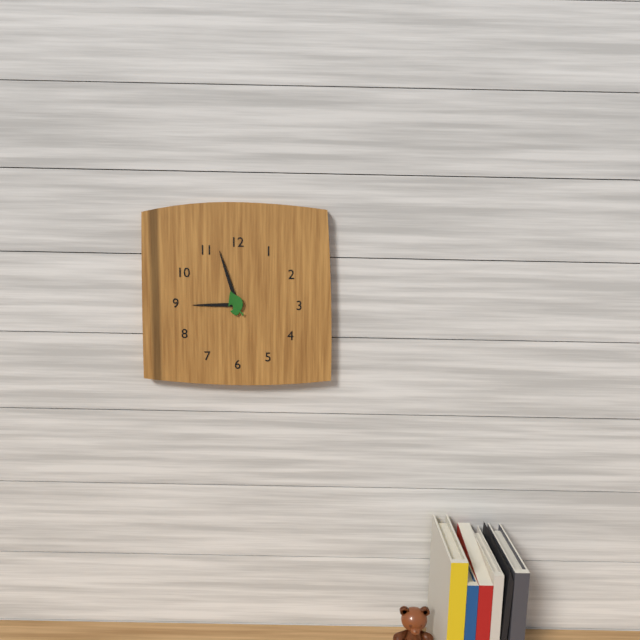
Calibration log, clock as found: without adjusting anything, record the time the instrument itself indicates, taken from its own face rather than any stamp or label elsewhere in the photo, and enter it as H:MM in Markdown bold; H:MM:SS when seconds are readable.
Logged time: **8:57**
